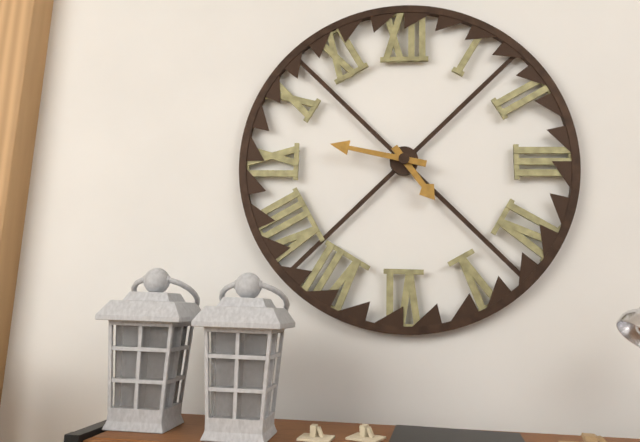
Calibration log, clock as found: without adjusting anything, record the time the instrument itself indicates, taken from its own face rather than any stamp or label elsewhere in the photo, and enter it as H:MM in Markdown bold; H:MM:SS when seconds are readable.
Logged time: **4:47**
